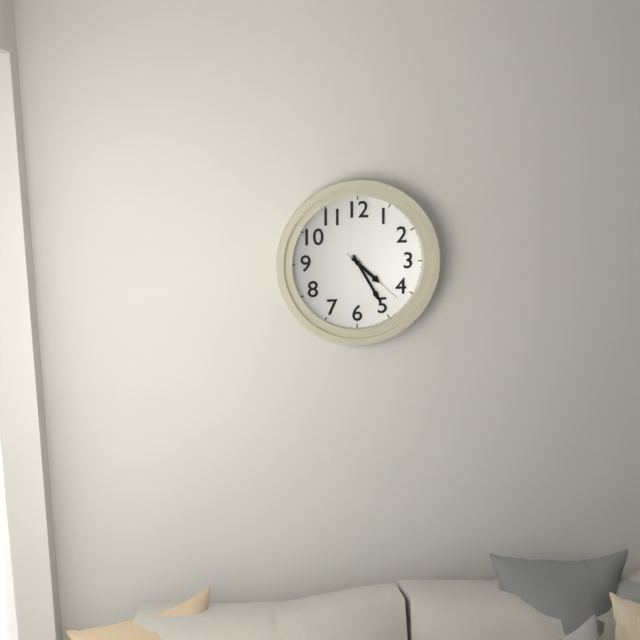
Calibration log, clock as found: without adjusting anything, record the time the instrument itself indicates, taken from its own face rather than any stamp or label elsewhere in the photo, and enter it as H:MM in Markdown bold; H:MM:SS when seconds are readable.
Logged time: **4:25:22**
